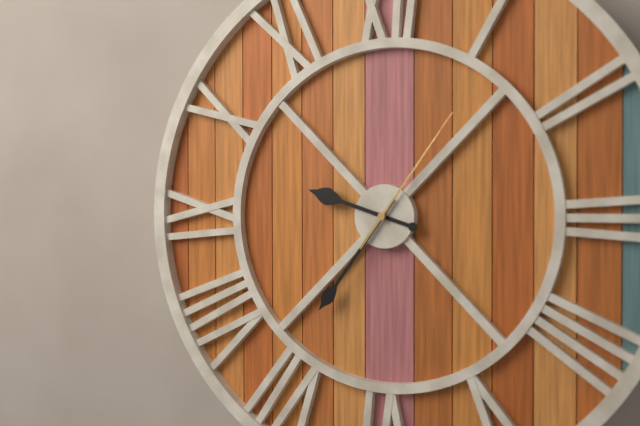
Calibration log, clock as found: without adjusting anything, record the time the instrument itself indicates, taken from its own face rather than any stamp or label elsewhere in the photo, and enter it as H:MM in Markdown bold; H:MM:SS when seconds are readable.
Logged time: **9:36:06**
